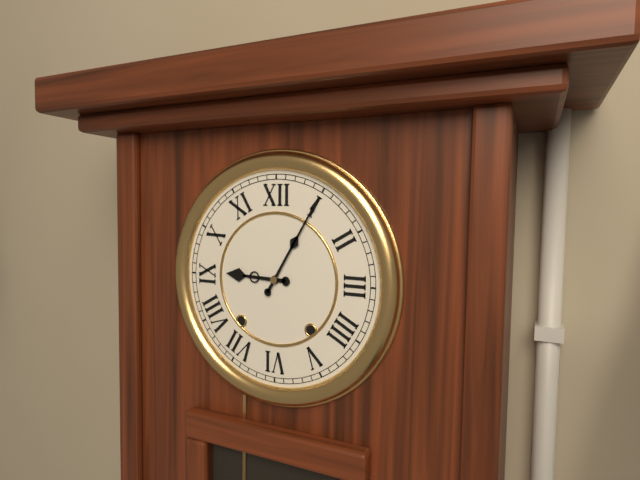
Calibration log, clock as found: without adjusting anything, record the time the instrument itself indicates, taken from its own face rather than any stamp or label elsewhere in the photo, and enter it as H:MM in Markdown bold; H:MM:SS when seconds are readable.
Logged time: **9:05**
